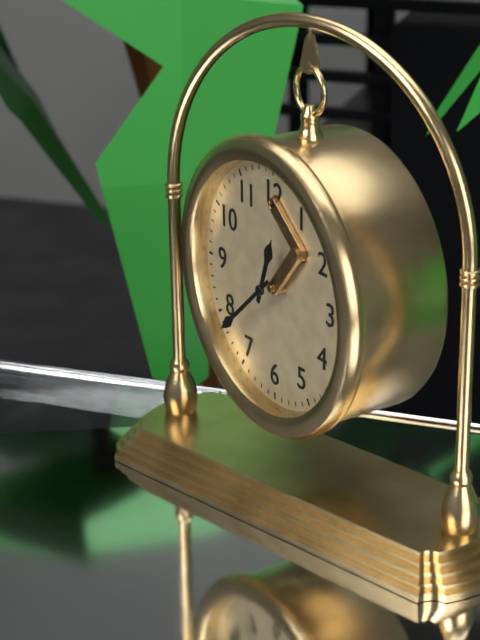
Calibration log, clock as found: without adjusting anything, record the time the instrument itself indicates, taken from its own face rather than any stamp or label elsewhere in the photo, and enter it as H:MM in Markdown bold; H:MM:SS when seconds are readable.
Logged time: **12:38**
